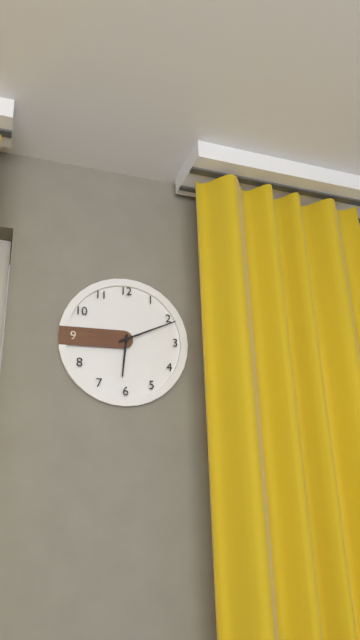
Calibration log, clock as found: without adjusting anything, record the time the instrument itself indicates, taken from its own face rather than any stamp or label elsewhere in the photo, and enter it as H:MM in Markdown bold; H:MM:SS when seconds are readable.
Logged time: **6:11**
